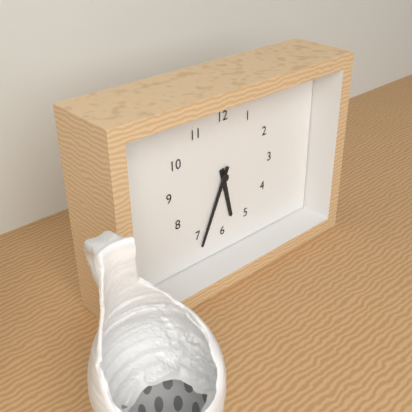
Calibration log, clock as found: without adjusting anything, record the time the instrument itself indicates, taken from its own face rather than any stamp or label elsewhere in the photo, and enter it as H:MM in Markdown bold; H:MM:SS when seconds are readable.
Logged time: **5:34**
